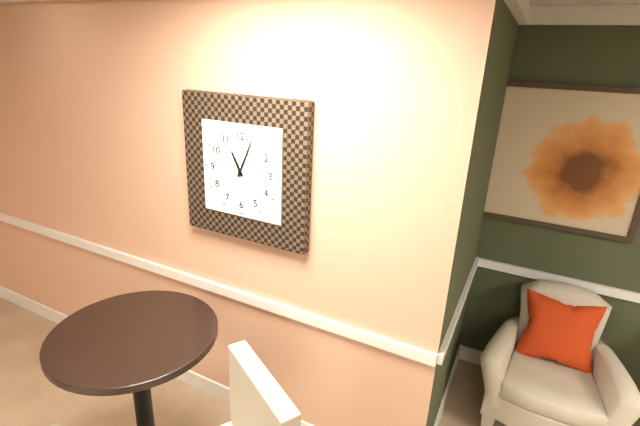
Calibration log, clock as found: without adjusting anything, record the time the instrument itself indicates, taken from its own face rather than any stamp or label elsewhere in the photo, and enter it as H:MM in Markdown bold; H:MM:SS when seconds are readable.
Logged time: **11:04**
